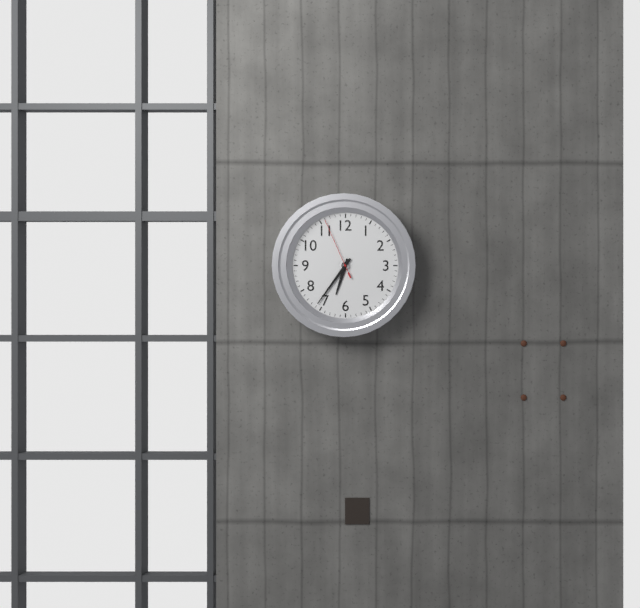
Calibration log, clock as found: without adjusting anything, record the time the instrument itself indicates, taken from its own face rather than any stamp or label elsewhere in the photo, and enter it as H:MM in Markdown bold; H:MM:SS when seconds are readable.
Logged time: **6:36:56**
